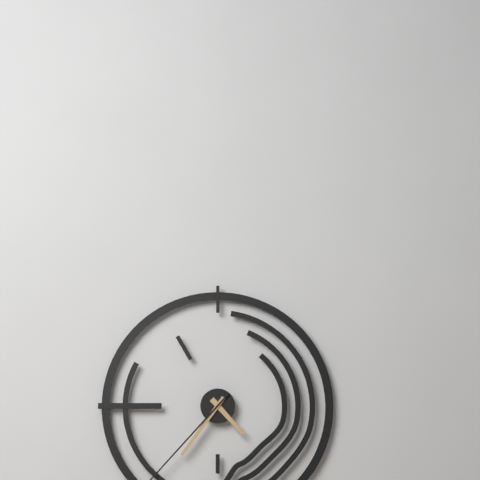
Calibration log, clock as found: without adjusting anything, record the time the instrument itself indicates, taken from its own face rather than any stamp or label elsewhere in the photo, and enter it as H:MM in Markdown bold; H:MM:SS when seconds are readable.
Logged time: **4:36**
